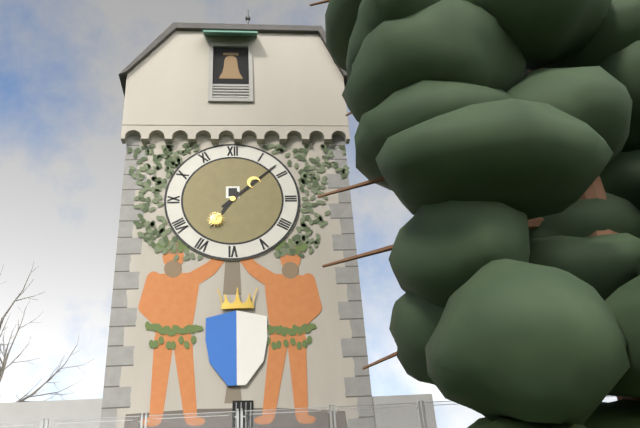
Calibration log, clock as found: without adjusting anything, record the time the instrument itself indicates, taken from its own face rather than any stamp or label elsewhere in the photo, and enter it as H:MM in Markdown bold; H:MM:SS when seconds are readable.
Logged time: **7:08**
